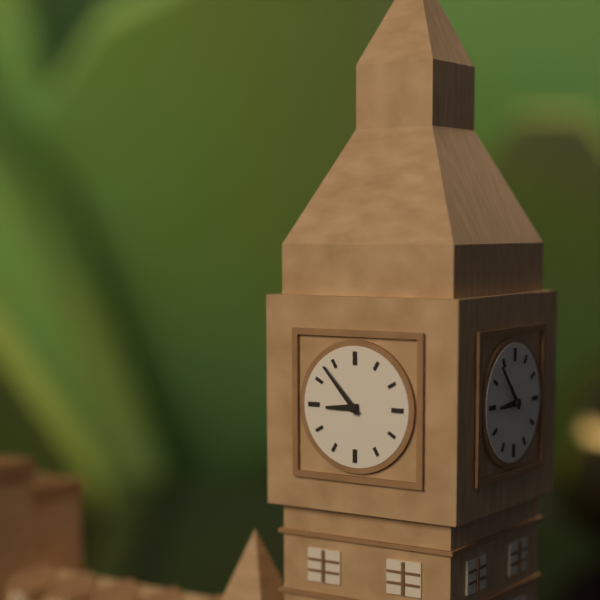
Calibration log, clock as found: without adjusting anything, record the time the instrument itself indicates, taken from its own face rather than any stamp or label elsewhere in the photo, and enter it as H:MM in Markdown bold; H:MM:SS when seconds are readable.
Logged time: **8:53**
